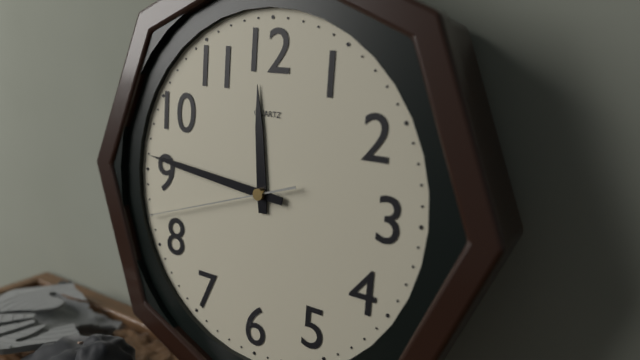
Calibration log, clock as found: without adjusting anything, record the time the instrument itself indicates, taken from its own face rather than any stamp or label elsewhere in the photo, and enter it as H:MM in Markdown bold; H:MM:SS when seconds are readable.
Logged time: **11:46:42**
